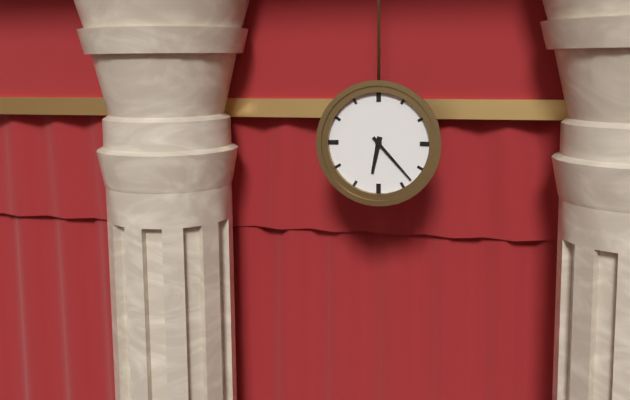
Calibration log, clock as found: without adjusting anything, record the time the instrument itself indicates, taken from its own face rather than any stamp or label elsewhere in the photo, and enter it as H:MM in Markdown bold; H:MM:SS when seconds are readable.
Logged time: **6:23**
